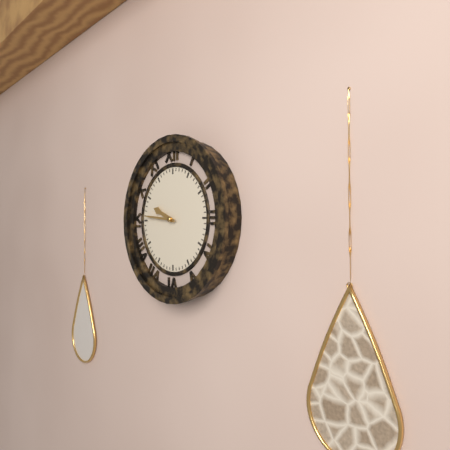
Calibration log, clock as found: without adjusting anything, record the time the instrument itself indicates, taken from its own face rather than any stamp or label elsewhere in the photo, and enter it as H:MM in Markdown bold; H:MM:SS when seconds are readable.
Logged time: **9:46**
